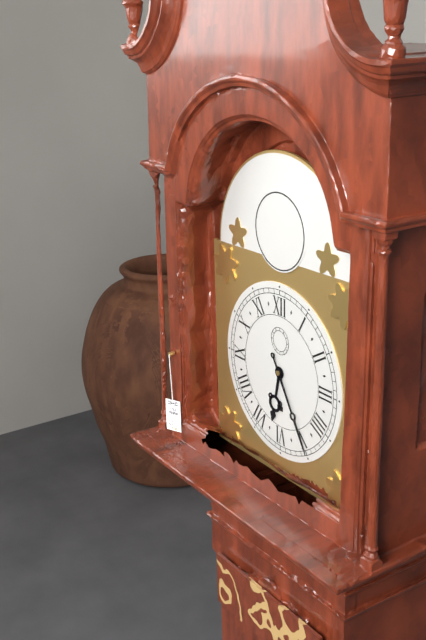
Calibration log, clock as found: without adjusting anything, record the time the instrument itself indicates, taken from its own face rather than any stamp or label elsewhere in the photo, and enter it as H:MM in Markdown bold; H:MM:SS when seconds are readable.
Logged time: **6:25**
